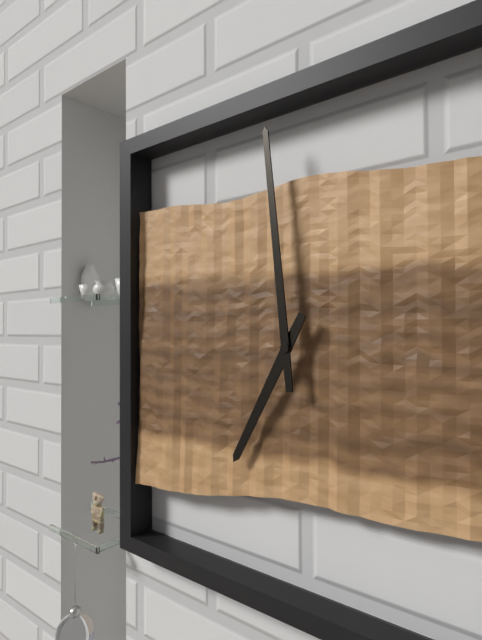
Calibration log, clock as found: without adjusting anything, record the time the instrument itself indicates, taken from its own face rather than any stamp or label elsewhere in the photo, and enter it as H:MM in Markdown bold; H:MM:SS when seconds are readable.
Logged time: **6:59**
